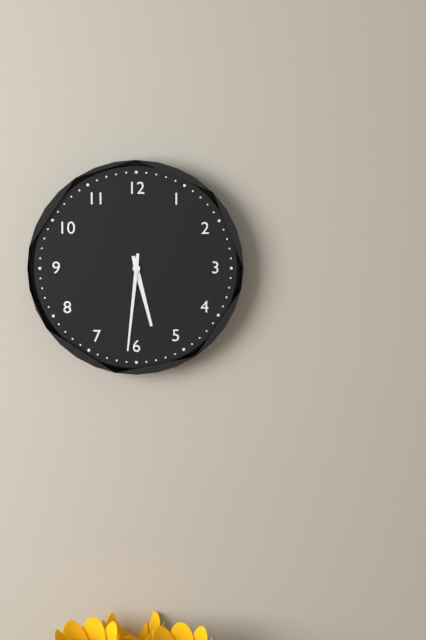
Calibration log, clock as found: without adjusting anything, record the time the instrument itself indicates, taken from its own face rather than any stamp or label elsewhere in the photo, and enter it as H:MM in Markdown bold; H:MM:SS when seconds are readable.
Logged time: **5:31**
